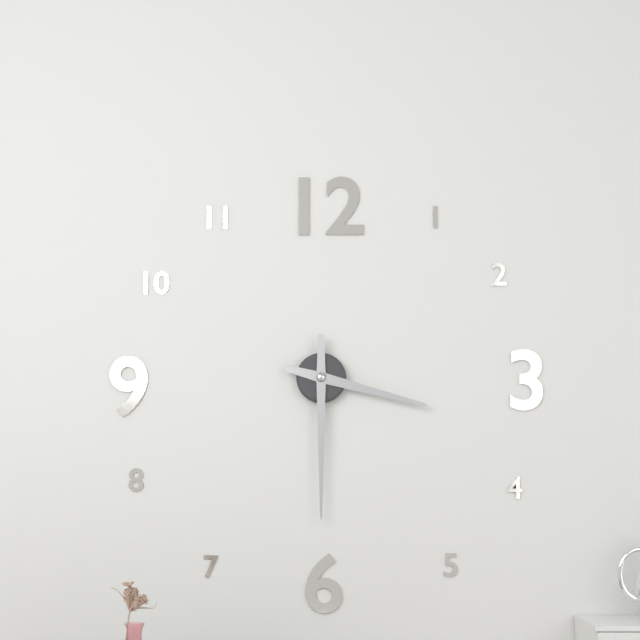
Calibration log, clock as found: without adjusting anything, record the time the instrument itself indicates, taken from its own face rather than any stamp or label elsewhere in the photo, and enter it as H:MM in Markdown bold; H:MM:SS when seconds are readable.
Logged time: **3:30**
